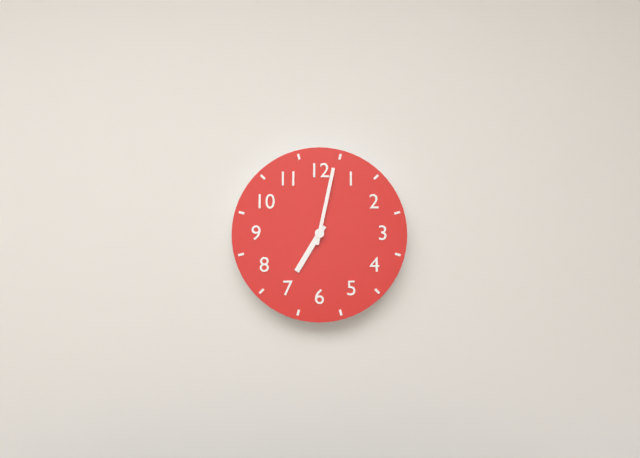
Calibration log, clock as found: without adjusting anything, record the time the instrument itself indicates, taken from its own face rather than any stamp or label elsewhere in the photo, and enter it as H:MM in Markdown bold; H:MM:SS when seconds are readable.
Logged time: **7:02**
